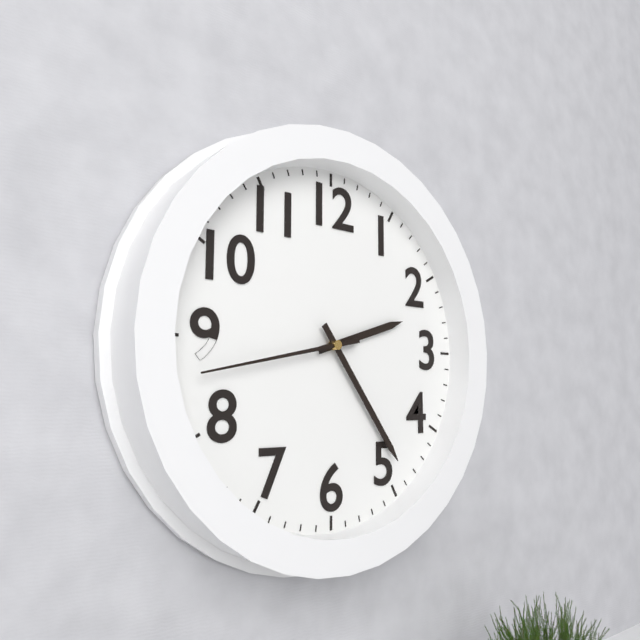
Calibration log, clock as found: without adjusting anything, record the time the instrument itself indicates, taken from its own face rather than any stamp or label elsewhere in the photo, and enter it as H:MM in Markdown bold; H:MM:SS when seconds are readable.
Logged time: **2:24:43**
